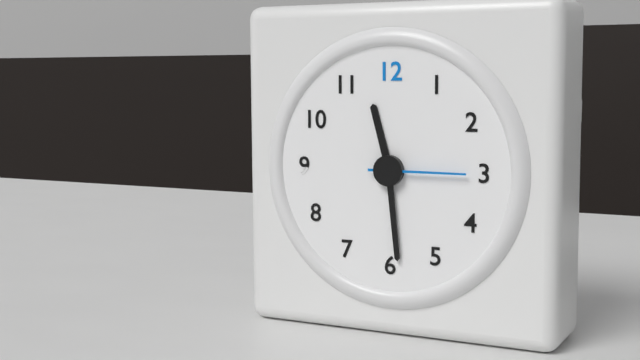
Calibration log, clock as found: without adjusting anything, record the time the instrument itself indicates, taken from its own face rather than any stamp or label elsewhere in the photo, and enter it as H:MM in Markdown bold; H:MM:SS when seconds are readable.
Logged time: **11:29:15**
